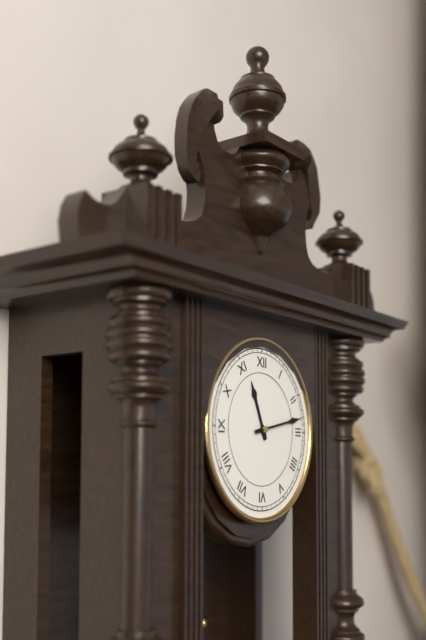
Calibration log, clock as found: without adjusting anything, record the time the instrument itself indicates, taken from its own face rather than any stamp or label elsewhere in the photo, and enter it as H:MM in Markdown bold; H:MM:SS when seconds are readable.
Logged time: **11:13**
